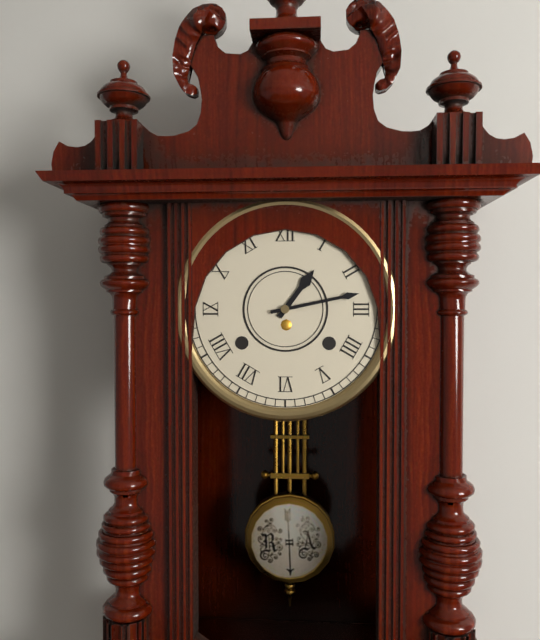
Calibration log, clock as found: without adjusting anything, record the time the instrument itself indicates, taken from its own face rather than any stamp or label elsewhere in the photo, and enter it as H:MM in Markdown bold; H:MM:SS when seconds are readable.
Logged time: **1:13**
